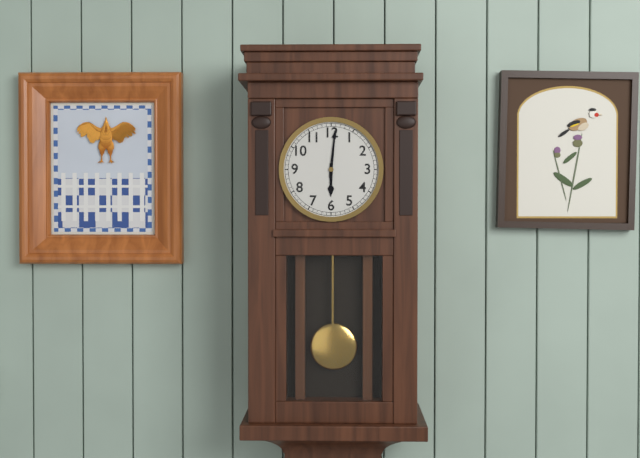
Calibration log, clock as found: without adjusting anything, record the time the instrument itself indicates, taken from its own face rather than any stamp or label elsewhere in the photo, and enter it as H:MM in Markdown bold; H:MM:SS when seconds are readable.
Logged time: **6:01**
